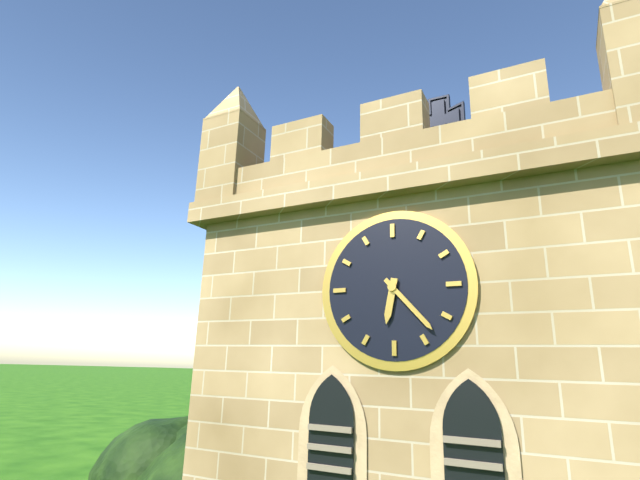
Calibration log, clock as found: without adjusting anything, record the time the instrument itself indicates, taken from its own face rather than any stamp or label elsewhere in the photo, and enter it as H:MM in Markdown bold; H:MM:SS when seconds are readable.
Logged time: **6:23**
